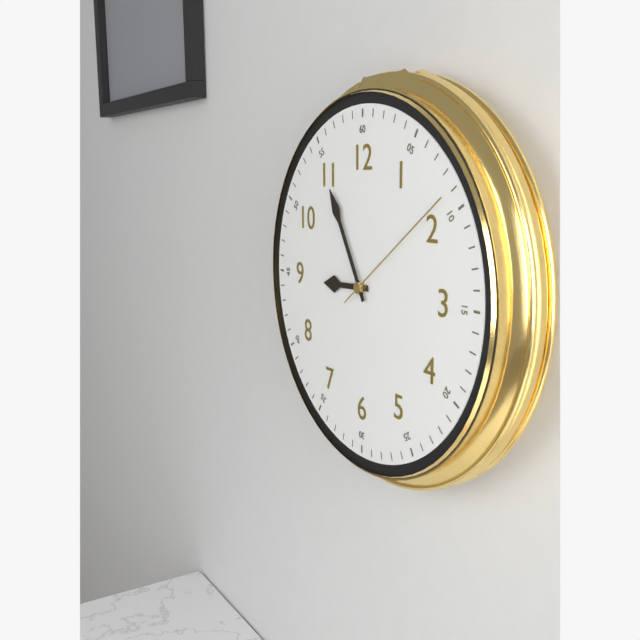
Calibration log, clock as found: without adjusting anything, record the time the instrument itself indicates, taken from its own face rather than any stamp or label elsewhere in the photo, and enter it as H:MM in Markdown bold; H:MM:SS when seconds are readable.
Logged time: **8:55:09**
